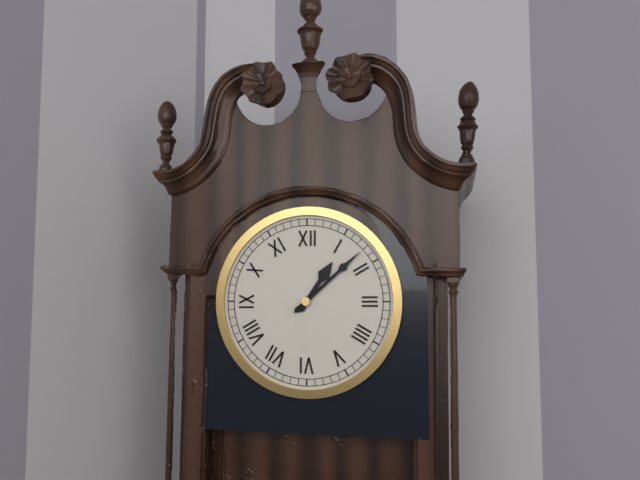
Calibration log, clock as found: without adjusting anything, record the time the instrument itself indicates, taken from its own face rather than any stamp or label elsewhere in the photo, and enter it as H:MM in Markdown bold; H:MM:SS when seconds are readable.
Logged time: **1:08**
